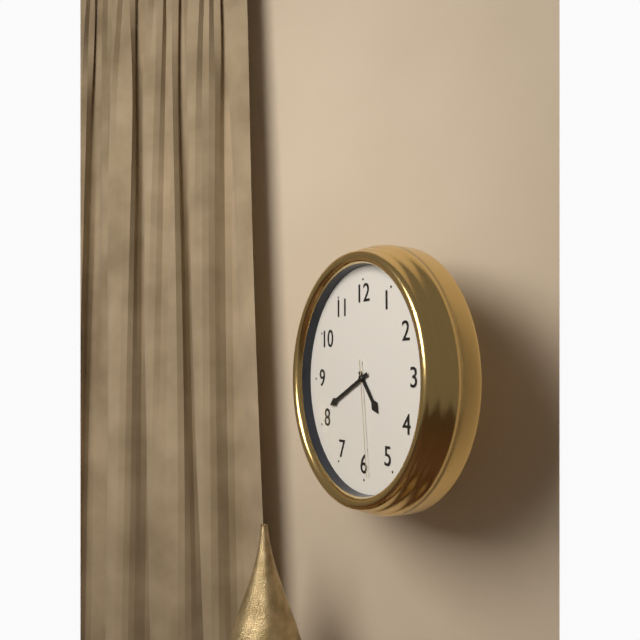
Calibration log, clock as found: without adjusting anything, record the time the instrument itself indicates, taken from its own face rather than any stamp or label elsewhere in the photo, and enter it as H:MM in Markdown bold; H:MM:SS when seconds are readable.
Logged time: **4:41:29**
